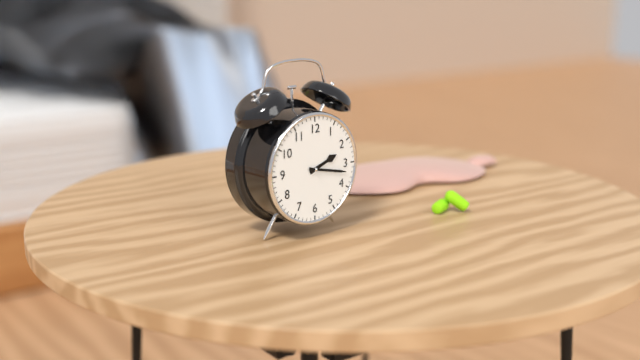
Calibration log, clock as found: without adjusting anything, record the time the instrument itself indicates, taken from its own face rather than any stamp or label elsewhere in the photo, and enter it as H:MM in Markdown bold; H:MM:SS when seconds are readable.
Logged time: **2:17**
